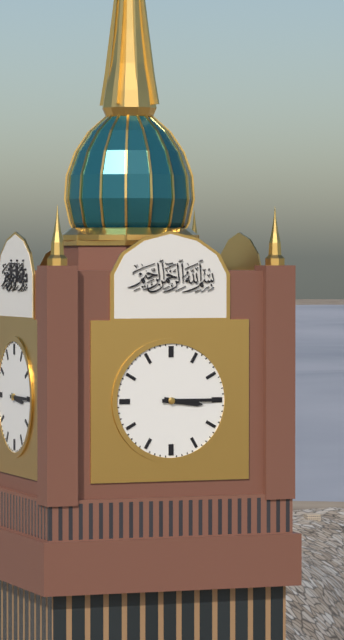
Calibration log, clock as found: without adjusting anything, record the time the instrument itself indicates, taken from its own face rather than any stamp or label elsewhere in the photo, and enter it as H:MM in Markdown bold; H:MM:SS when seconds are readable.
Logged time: **3:15**
